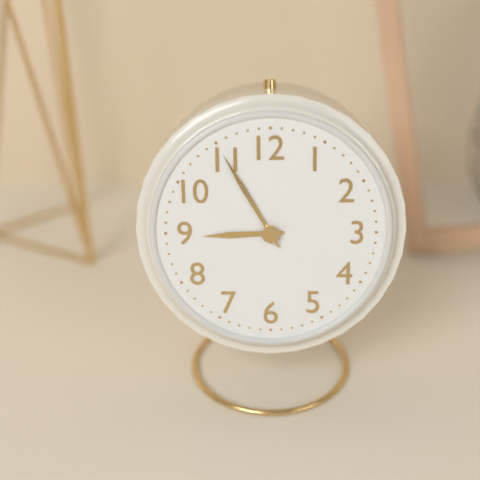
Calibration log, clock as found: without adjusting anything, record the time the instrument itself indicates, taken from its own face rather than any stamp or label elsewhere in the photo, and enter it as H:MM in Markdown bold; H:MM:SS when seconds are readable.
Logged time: **8:55**
